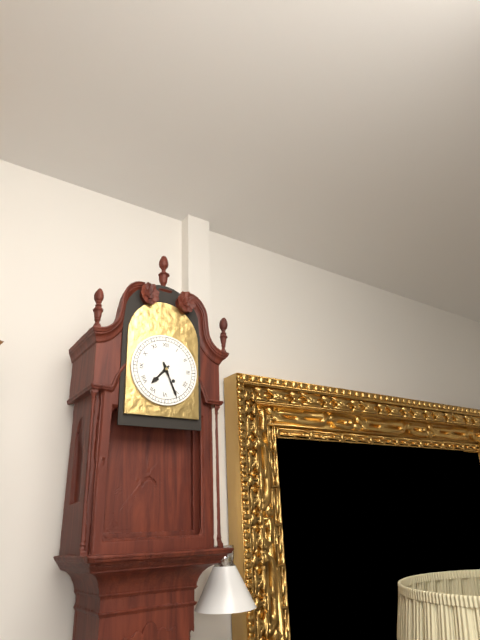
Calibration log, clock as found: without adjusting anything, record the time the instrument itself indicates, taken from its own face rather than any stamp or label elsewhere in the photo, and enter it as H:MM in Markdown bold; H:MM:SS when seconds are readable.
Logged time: **7:26**
